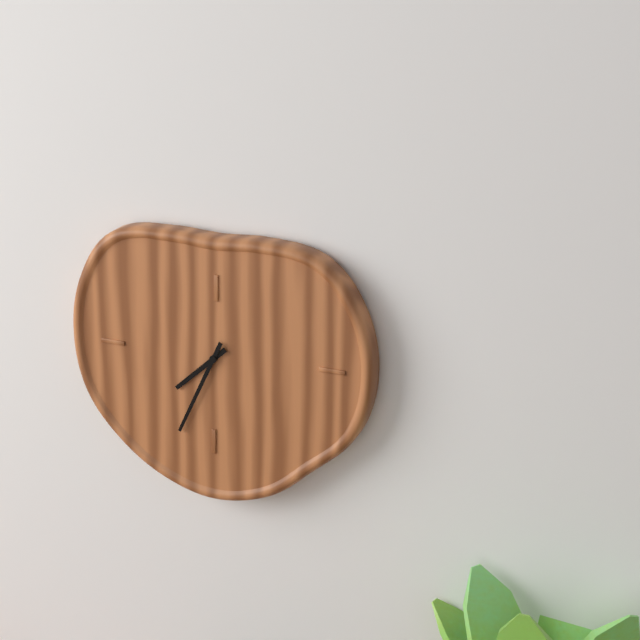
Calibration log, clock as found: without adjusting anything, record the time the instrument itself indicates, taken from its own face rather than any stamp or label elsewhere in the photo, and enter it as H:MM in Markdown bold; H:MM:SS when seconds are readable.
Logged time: **7:34**
